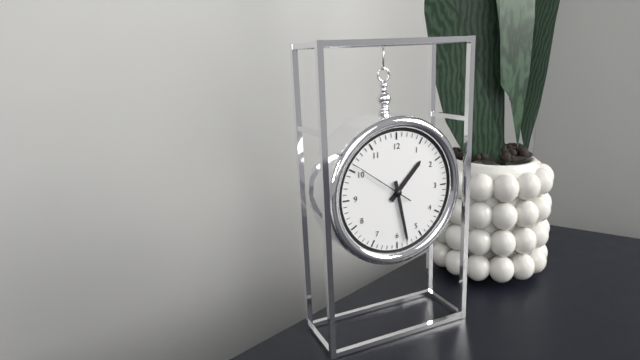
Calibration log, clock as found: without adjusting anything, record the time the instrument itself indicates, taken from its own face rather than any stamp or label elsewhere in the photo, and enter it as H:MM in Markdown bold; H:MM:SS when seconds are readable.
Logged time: **1:28:51**
